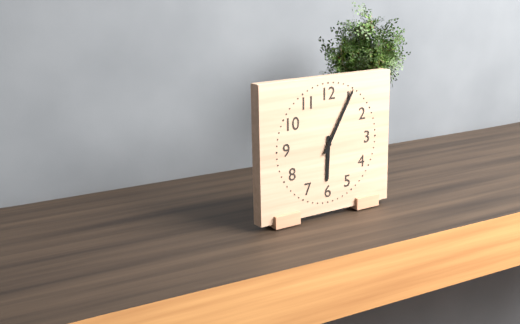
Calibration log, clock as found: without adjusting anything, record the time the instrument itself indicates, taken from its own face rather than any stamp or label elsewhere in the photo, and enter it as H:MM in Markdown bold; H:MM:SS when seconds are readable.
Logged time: **6:05**
